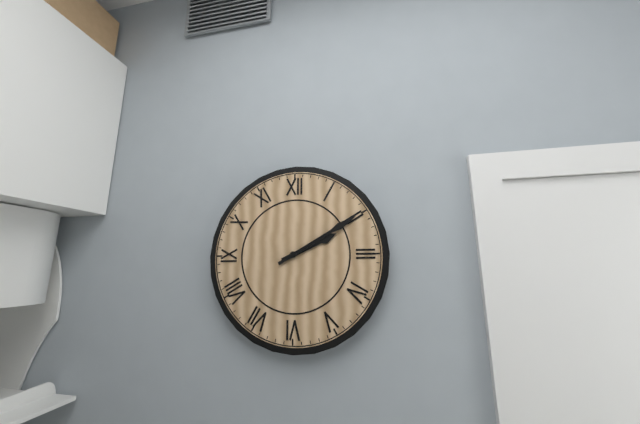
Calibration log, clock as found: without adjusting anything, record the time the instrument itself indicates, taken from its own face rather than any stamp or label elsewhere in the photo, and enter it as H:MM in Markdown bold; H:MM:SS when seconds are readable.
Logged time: **2:10**
